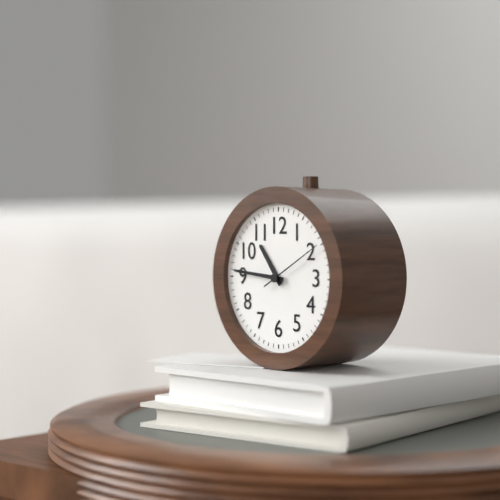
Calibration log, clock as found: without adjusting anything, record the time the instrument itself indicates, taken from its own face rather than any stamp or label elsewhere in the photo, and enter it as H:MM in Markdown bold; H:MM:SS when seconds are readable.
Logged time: **10:46:10**
